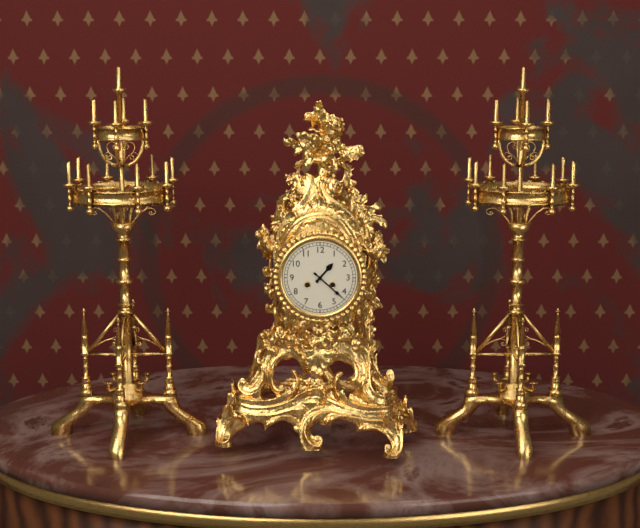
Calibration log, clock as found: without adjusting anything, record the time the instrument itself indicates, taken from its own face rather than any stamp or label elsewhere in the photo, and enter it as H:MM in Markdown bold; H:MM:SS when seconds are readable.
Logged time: **1:22**
